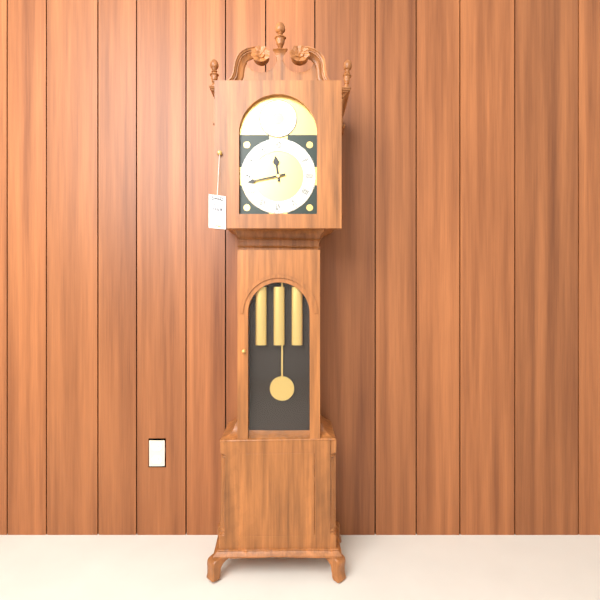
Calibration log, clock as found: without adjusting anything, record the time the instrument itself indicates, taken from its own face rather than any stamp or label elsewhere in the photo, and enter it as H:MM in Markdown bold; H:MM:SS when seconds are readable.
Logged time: **11:43**
